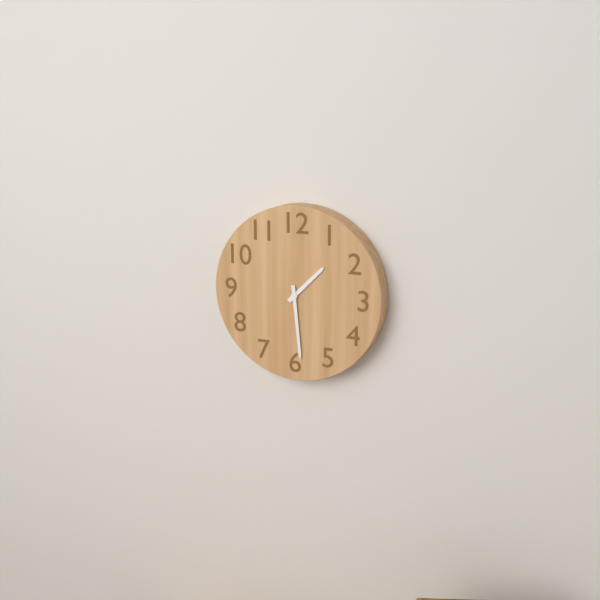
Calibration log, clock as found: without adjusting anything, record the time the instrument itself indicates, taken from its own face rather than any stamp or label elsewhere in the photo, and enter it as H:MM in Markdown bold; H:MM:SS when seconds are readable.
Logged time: **1:29**
